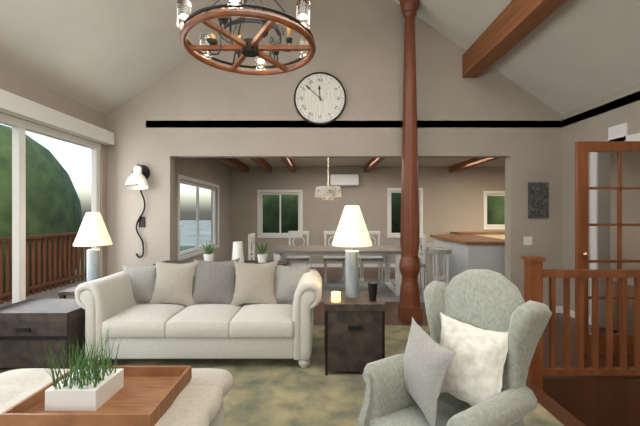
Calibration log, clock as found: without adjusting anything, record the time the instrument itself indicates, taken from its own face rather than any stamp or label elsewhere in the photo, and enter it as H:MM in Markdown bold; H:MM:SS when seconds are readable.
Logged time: **11:52**
